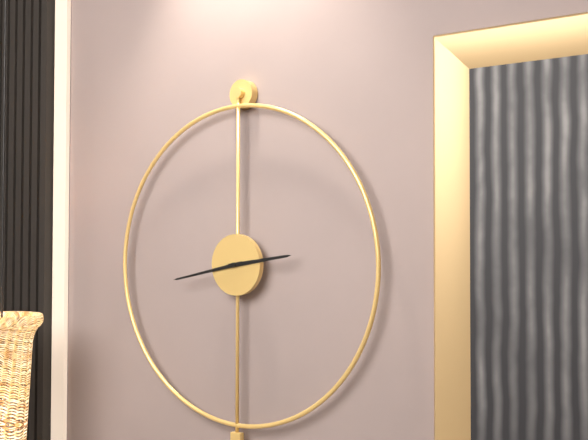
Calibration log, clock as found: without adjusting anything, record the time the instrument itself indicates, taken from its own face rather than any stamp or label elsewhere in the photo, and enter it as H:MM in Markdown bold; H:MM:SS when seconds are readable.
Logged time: **2:43**
